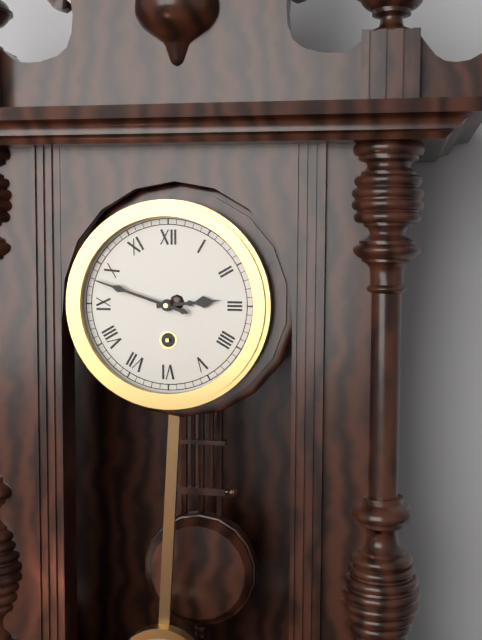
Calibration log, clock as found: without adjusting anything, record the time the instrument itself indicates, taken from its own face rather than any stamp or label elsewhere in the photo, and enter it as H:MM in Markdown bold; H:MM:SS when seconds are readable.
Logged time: **2:48**
